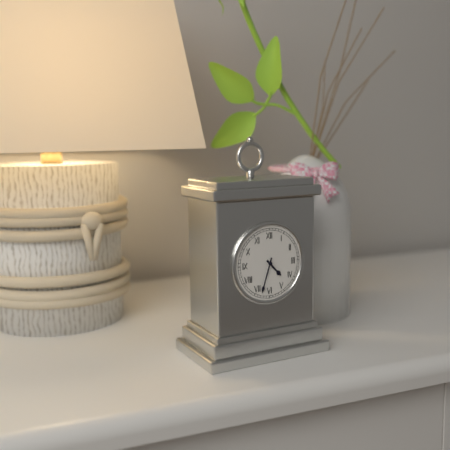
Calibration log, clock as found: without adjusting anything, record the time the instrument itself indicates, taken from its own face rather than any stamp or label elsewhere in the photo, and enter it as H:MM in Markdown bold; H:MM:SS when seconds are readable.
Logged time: **4:33**
